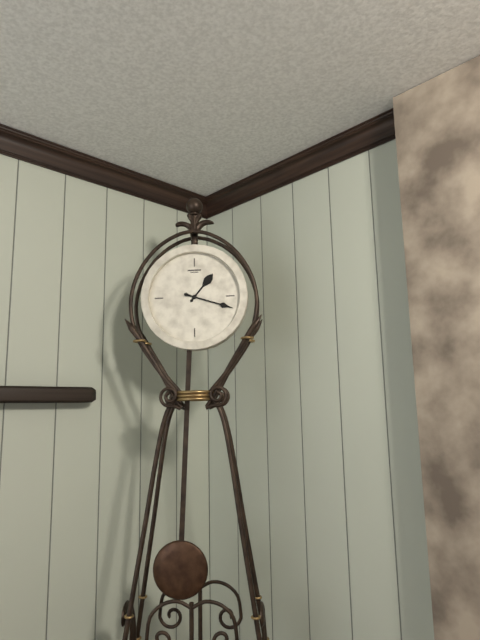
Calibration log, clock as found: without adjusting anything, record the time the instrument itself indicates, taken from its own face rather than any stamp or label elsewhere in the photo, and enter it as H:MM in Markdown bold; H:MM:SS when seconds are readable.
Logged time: **1:18**
